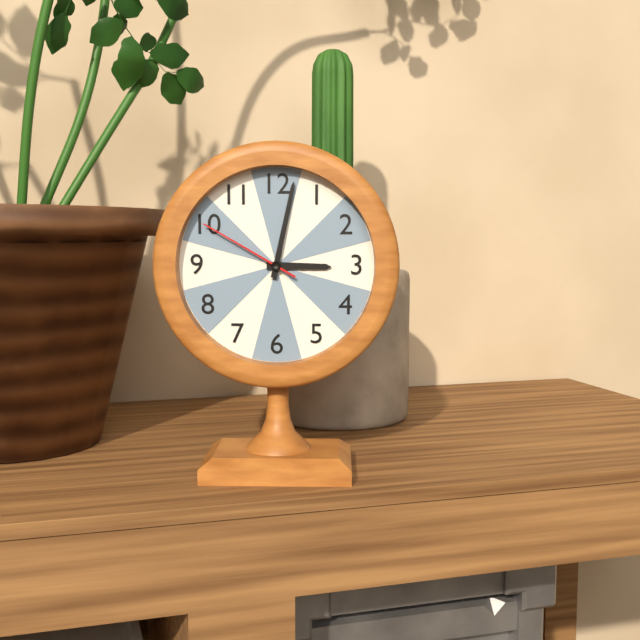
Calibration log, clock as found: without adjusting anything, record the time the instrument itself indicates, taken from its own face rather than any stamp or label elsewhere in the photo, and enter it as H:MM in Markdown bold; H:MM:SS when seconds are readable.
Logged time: **3:02:50**
